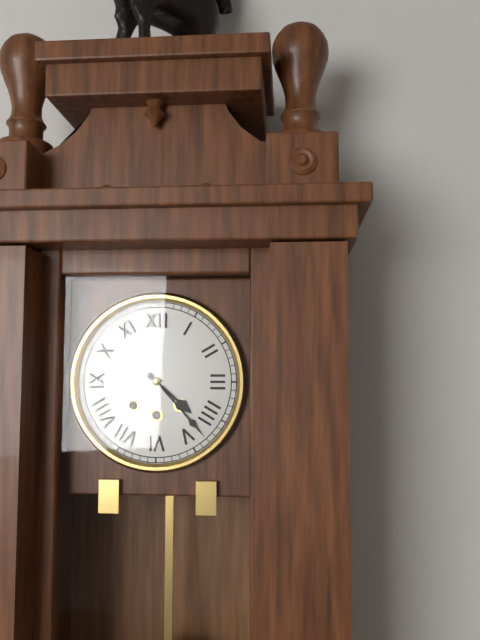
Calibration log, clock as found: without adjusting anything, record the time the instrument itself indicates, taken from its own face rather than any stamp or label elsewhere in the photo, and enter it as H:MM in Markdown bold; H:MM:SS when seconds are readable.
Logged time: **4:23**
